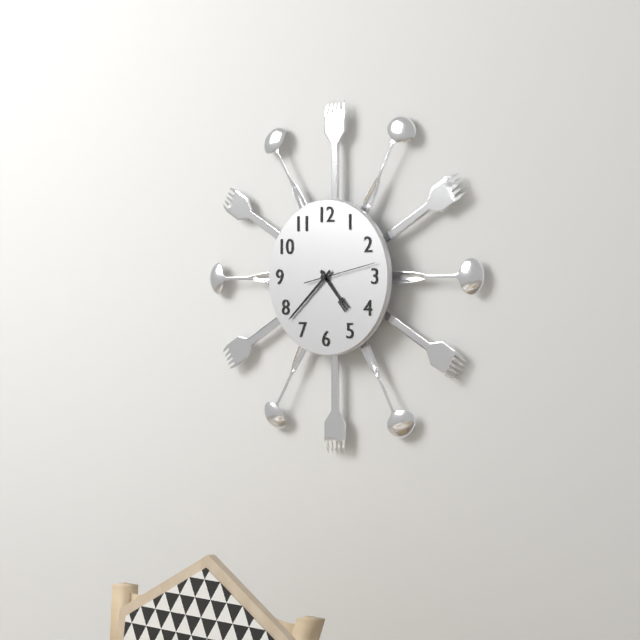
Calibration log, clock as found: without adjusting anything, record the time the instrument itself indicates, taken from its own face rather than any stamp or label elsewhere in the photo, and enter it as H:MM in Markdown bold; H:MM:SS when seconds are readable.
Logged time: **4:38:13**
